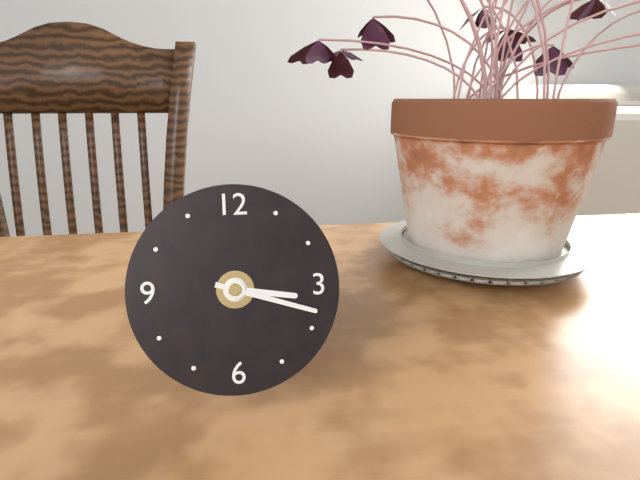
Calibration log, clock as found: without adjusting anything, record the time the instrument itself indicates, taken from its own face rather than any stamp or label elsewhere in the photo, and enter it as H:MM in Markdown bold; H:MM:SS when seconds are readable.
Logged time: **3:18**
